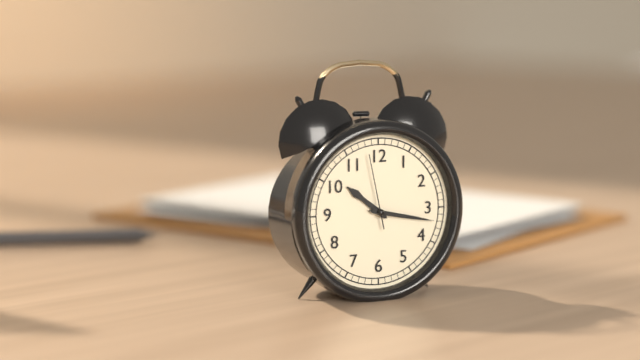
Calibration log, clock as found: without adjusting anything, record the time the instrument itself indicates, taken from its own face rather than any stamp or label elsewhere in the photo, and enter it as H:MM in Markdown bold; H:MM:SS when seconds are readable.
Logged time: **10:17:58**
